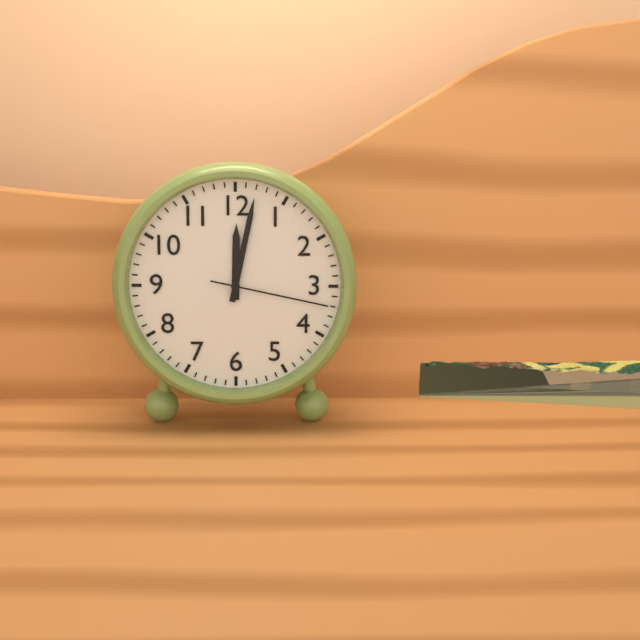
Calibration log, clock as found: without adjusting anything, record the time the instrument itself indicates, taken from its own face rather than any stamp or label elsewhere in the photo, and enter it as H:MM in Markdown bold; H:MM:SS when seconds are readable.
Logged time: **12:02:17**
